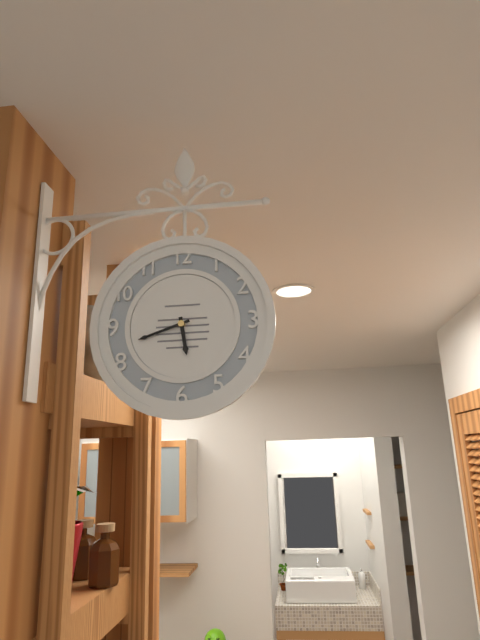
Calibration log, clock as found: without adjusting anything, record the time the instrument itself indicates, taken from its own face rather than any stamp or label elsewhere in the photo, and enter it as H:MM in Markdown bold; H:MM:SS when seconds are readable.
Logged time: **5:42**
